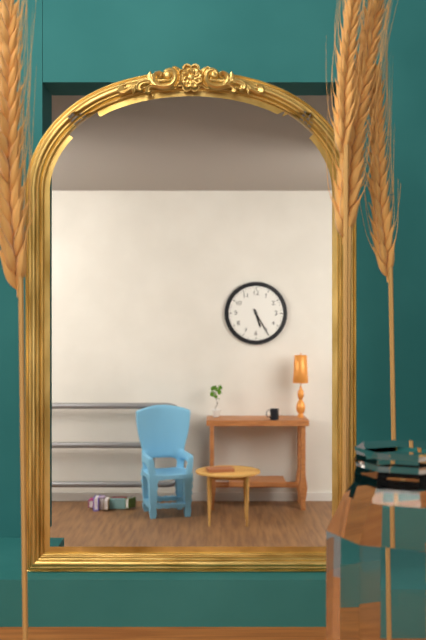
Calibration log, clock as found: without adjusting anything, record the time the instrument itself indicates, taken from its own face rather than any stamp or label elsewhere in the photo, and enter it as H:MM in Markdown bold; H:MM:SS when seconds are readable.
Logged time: **5:25**
